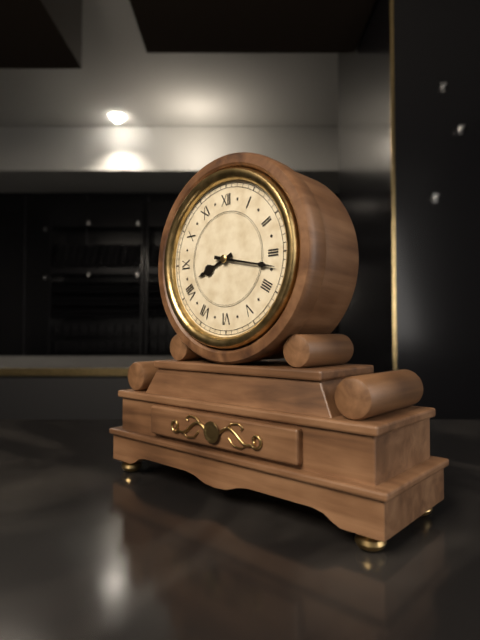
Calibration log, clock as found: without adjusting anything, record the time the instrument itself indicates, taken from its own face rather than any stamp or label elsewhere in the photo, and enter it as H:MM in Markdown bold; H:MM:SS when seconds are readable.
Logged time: **8:17**
